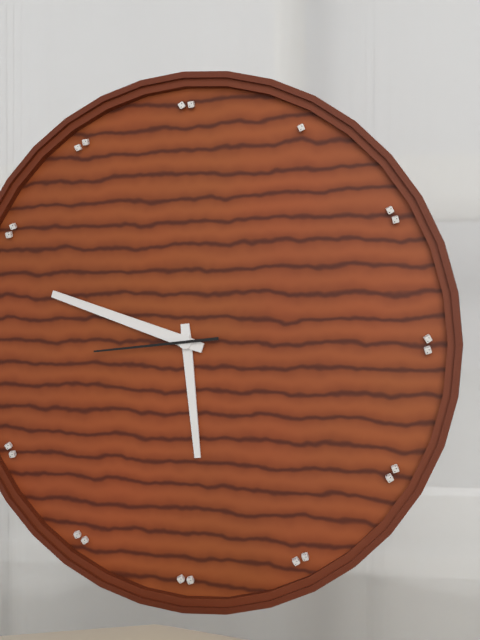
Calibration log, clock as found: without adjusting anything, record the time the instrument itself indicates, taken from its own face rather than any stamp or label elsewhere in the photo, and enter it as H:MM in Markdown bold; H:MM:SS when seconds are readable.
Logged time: **5:48:44**
